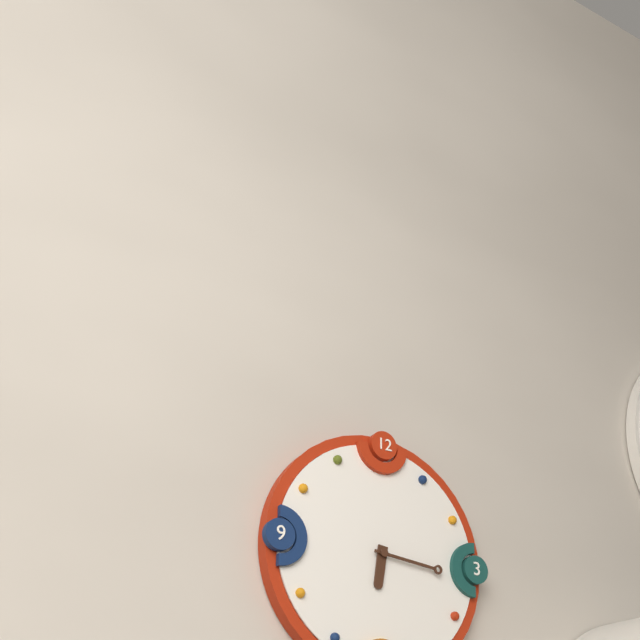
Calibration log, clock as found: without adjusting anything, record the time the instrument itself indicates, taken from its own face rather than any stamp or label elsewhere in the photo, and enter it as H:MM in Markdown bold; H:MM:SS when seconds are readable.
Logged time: **6:16**
